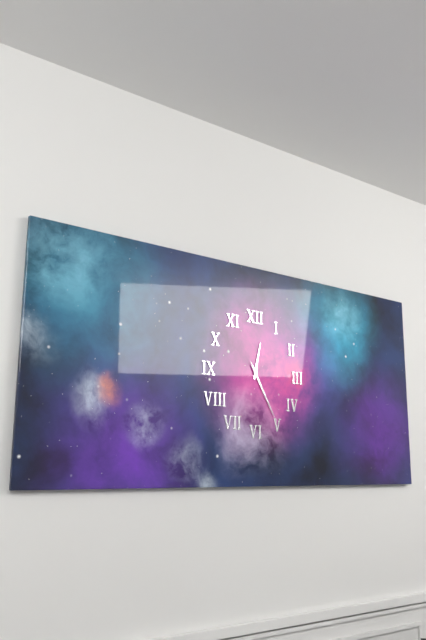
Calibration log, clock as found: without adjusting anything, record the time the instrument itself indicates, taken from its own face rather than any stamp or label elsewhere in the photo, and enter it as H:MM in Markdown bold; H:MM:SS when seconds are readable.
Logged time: **12:25:25**
